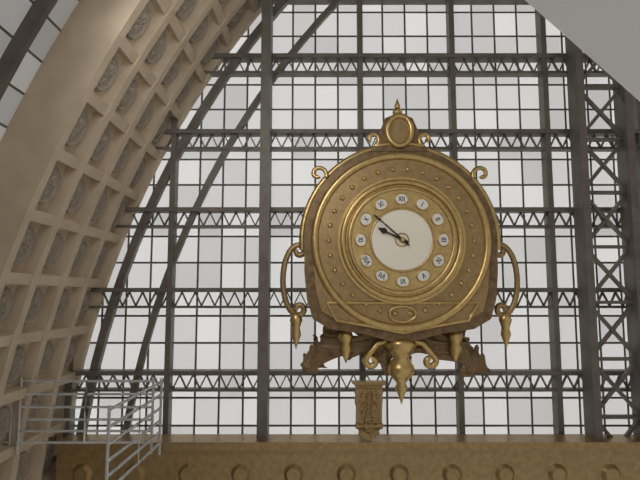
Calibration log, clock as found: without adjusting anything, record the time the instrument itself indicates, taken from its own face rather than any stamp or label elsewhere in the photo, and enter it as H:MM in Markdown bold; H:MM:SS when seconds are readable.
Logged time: **9:52**
